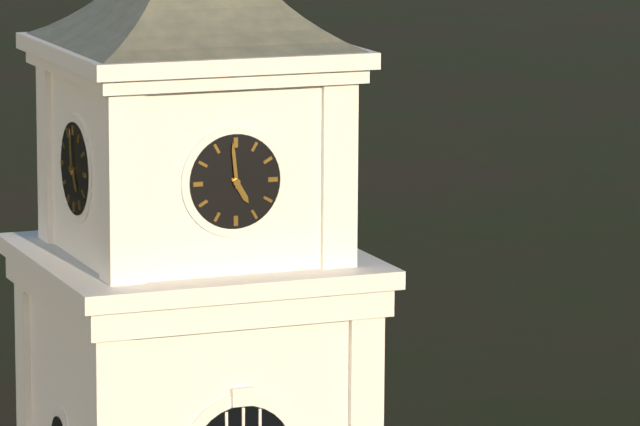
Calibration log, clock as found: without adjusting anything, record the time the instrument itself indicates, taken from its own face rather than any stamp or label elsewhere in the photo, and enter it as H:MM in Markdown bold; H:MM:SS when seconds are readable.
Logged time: **4:59**
